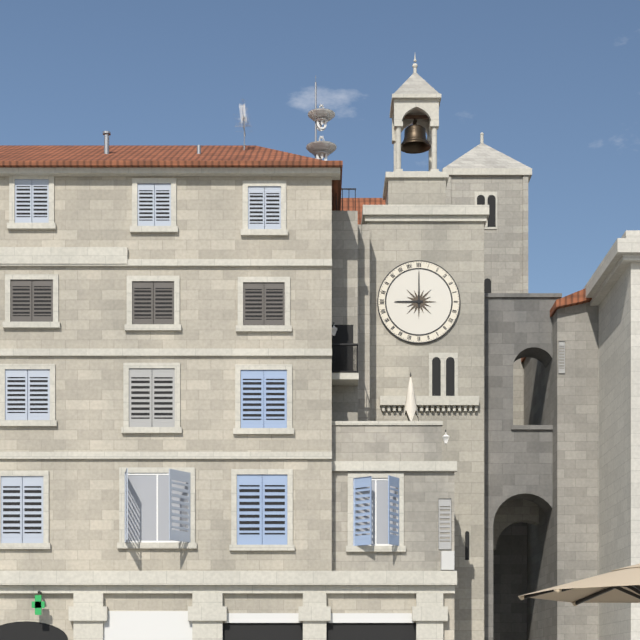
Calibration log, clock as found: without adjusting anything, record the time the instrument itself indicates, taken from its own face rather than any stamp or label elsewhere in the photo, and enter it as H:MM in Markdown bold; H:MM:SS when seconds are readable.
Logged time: **9:00**
